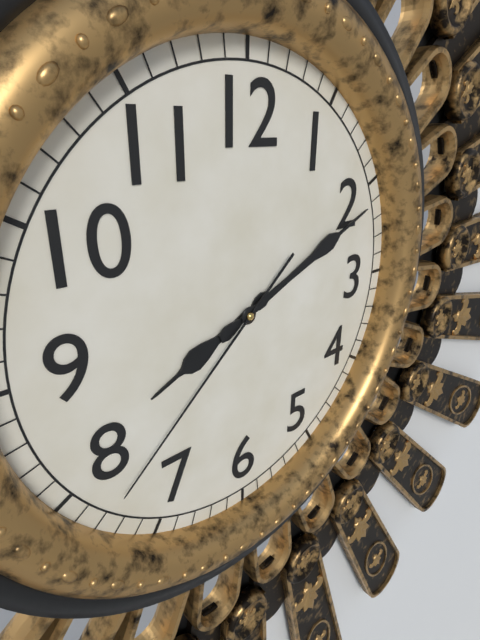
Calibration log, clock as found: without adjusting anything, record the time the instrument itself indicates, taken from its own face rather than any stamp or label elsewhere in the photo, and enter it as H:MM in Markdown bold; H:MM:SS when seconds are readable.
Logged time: **8:11:38**
